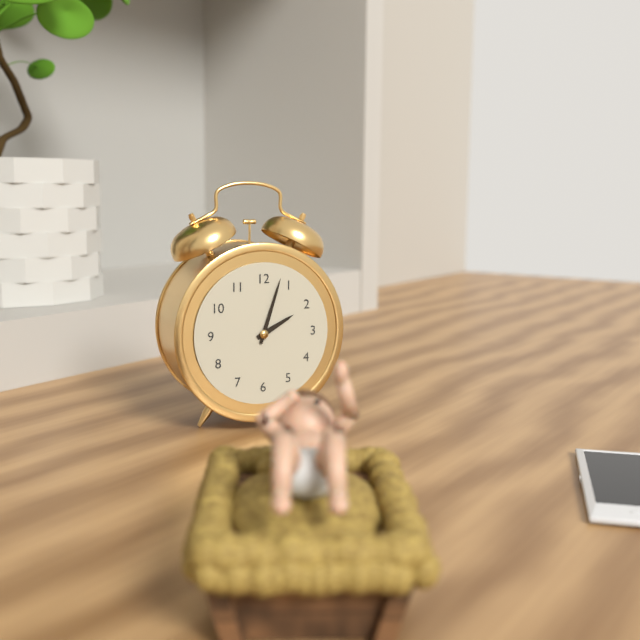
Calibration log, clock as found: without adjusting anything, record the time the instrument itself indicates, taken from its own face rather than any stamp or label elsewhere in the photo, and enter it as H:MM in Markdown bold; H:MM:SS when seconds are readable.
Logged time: **2:03**
